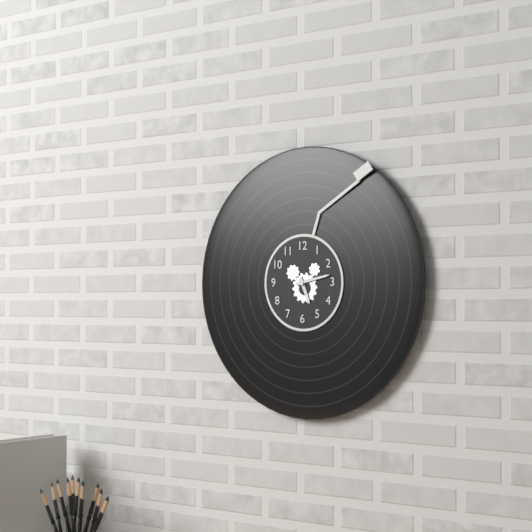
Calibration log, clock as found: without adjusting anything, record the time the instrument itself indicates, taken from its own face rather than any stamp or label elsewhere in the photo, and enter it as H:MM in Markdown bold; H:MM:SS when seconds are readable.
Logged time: **5:13**
